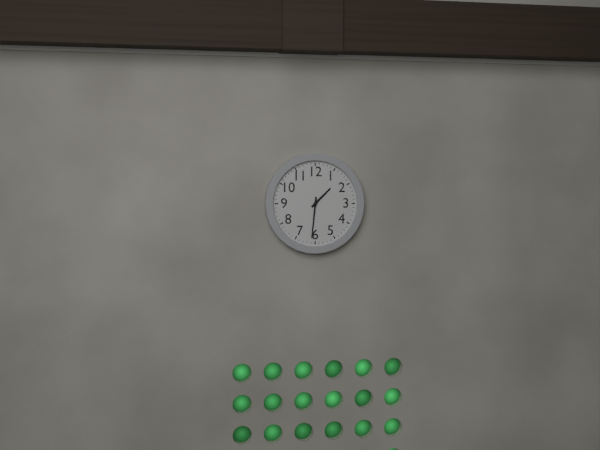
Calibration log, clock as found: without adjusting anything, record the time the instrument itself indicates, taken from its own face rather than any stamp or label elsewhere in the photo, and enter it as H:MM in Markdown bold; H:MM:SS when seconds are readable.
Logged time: **1:31**
